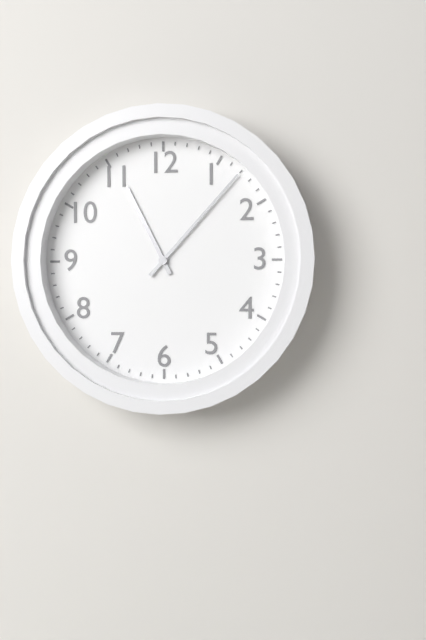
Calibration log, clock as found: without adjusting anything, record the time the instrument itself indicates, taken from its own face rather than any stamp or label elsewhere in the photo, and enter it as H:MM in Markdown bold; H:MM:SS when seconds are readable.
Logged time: **11:07**
